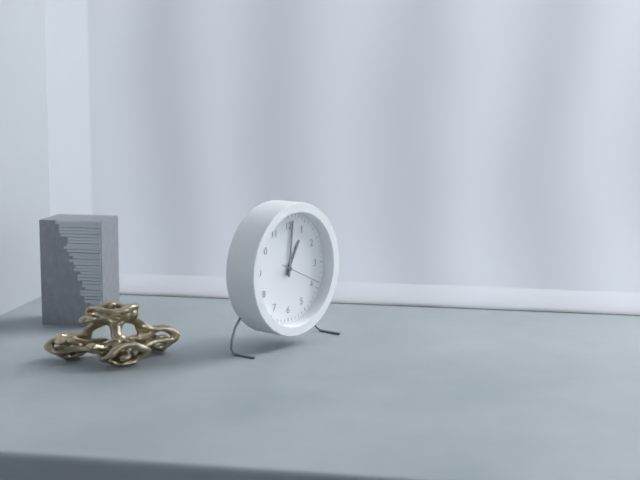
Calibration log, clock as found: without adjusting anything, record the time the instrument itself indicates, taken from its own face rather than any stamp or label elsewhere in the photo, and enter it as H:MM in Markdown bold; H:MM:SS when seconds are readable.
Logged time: **1:01**
